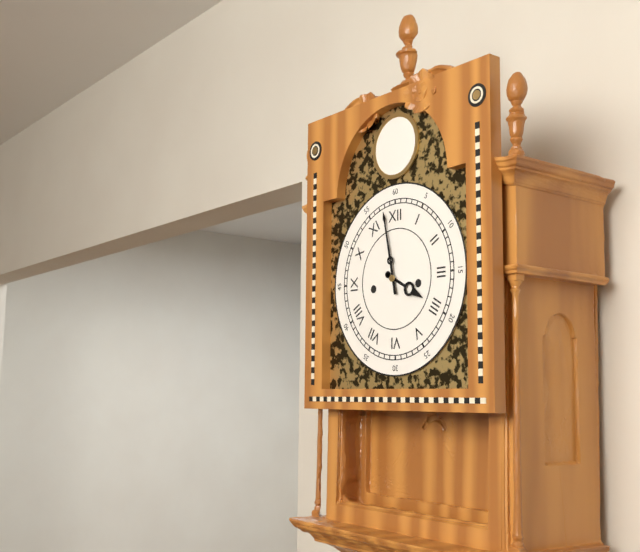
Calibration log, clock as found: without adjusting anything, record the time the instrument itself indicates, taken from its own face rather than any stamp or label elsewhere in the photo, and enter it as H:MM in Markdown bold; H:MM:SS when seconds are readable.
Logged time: **3:58**
